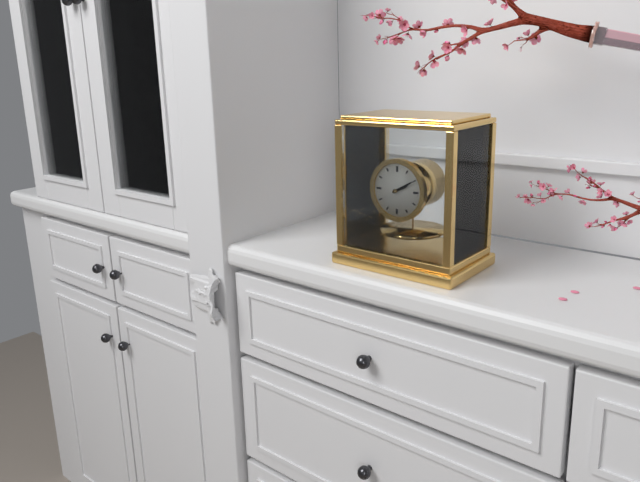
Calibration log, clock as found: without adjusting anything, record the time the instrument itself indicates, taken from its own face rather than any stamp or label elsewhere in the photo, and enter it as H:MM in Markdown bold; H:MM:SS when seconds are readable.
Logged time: **2:10**
